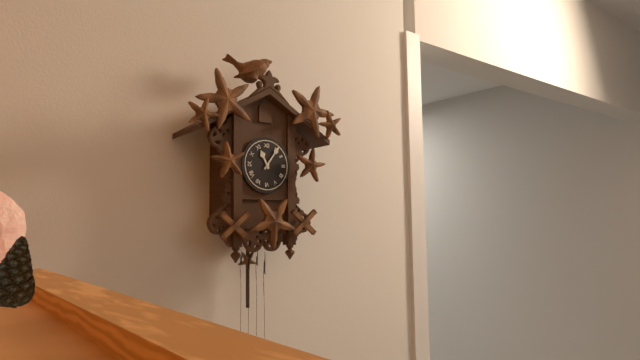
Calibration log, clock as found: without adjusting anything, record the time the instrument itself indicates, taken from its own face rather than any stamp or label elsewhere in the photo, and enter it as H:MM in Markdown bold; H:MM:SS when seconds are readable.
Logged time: **11:06**
